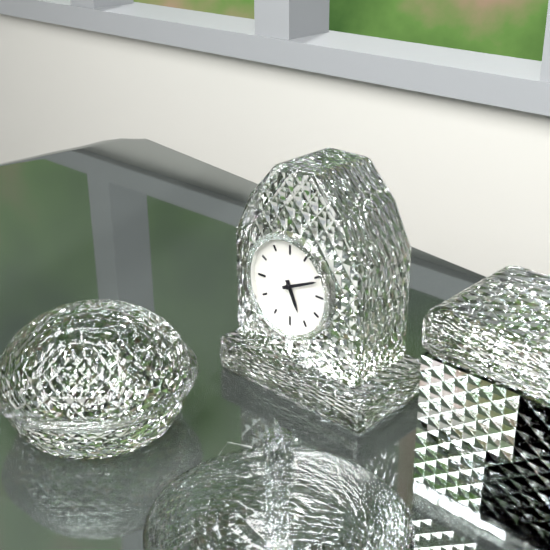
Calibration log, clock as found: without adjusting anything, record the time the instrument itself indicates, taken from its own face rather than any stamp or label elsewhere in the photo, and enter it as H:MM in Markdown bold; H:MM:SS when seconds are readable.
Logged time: **5:11**
